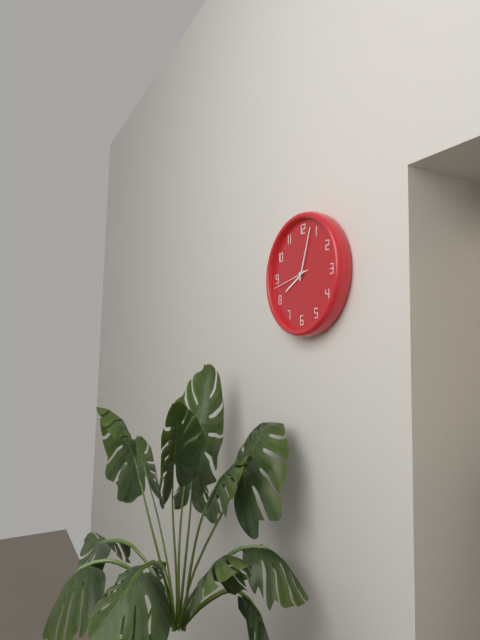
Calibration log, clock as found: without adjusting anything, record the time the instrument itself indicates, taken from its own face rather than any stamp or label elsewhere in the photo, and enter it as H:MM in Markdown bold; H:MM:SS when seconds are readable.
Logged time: **8:03**
